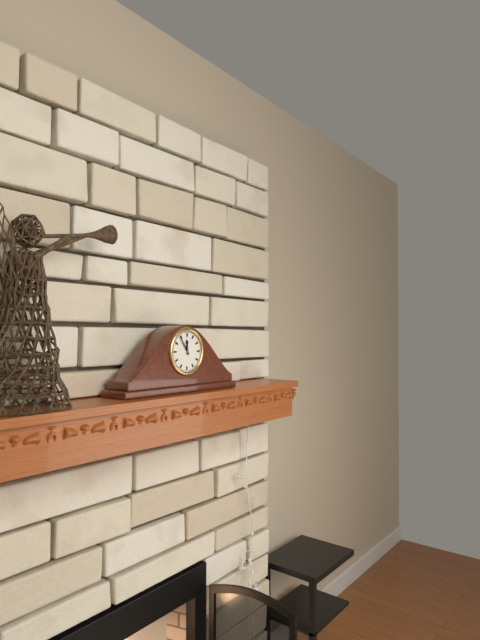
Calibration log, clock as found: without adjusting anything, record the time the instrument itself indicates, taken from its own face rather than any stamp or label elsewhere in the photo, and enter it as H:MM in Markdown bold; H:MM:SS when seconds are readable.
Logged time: **11:54**
